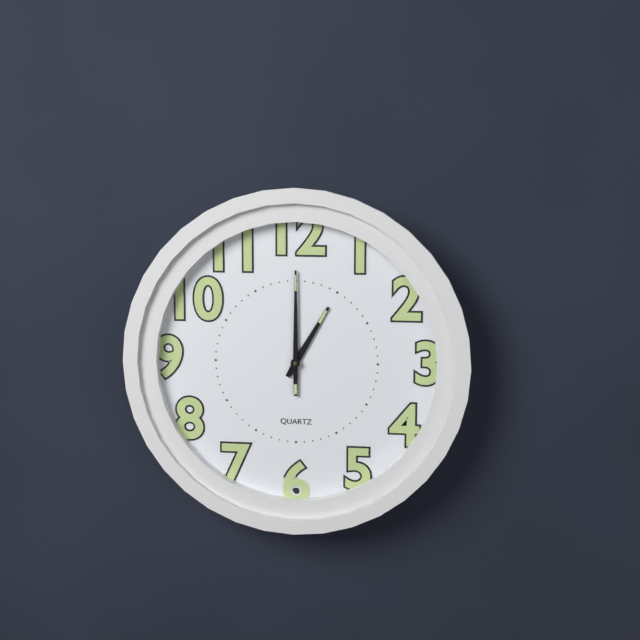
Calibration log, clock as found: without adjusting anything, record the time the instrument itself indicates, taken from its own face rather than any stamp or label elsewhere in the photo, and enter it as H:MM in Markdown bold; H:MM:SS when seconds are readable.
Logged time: **1:00**
